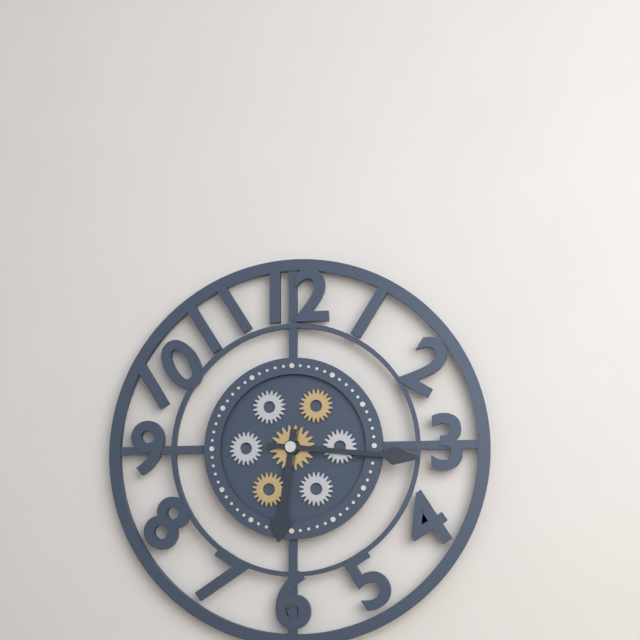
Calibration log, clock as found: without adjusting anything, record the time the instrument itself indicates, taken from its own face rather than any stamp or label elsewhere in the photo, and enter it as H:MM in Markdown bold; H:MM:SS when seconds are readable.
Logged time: **6:16**
